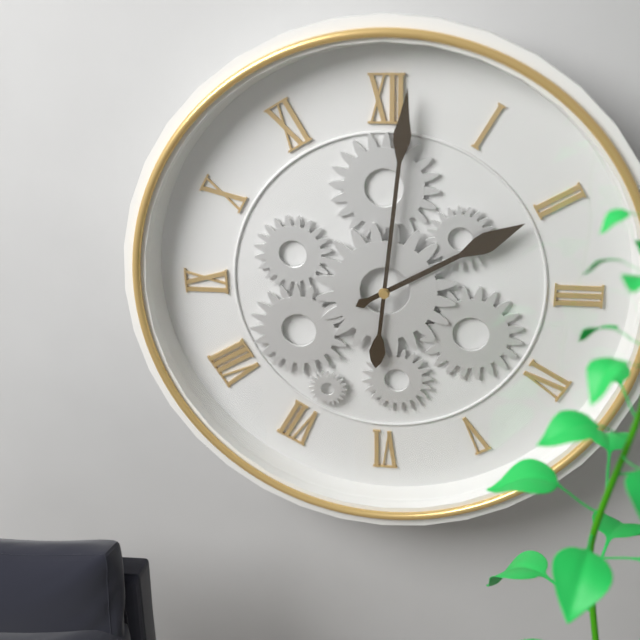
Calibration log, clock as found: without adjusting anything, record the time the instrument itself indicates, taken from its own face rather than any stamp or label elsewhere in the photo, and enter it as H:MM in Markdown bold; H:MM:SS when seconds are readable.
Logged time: **2:01**
